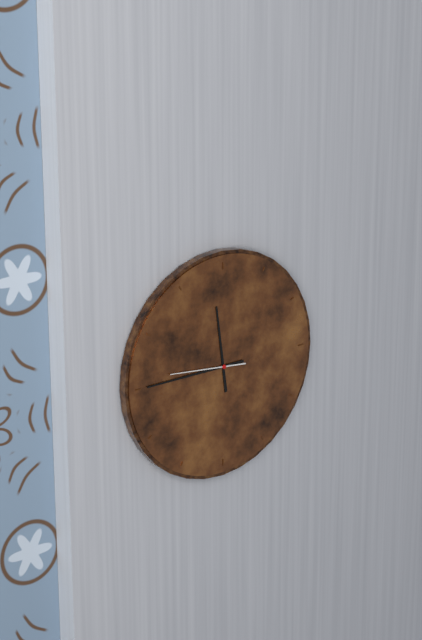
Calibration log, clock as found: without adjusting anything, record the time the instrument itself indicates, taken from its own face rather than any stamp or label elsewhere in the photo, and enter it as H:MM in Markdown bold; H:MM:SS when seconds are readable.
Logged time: **11:45:46**
